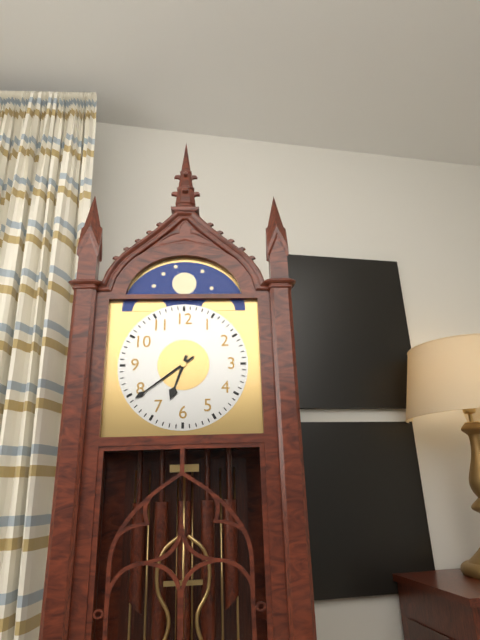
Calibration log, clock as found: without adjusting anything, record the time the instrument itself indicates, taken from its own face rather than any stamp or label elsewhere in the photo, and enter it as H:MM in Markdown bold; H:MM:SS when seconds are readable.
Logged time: **6:39**
